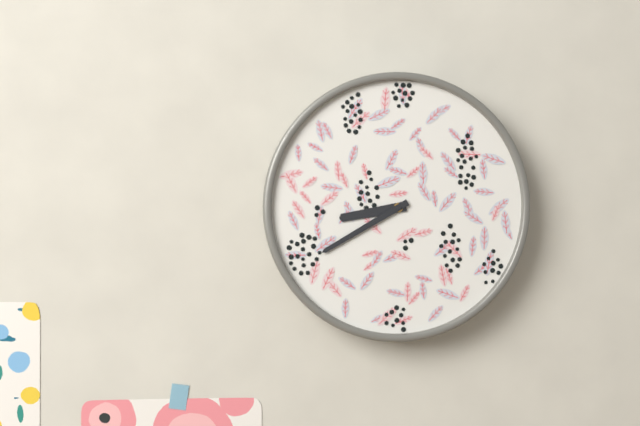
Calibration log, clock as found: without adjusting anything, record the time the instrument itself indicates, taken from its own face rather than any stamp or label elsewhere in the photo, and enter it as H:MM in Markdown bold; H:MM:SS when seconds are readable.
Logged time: **8:40**
